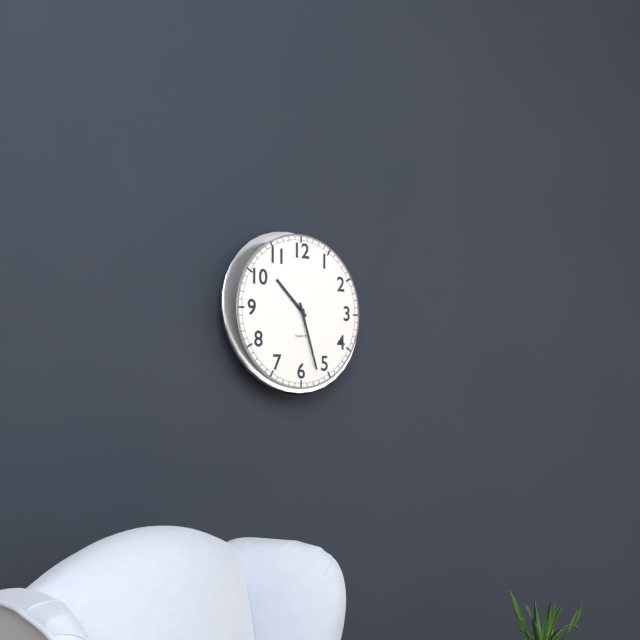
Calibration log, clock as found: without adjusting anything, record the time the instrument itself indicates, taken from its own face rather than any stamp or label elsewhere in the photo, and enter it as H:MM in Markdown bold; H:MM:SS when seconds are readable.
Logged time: **10:27**
